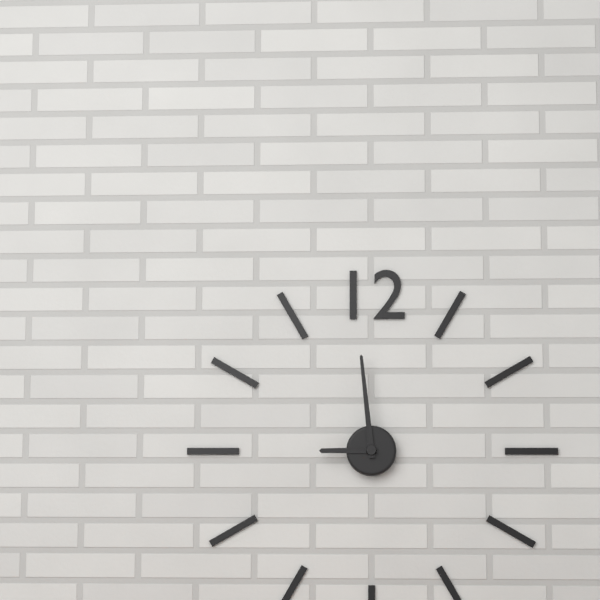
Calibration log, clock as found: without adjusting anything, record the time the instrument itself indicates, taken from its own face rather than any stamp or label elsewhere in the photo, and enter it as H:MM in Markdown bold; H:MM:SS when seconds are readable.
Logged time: **8:59**
